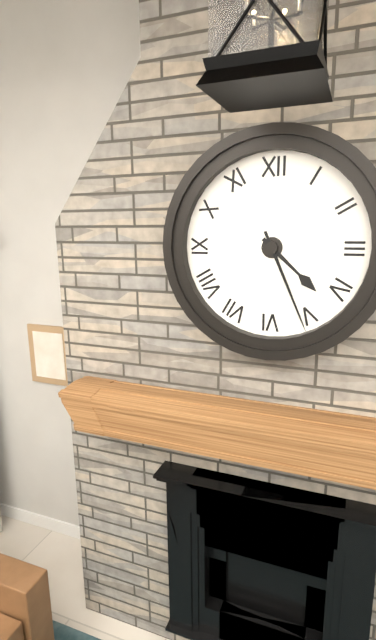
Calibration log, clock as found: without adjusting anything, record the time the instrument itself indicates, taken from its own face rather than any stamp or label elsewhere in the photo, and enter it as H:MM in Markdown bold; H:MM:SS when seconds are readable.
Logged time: **4:26**
